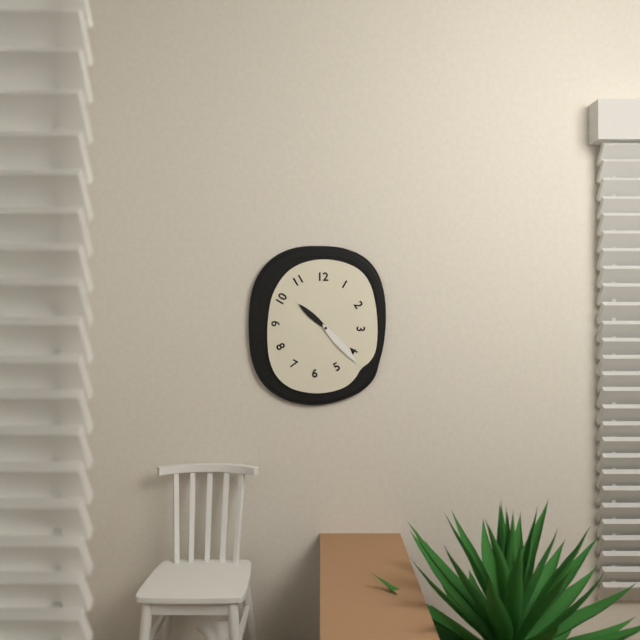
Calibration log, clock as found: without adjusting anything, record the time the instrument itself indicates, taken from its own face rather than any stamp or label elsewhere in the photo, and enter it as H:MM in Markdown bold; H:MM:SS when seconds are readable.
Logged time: **10:23**
